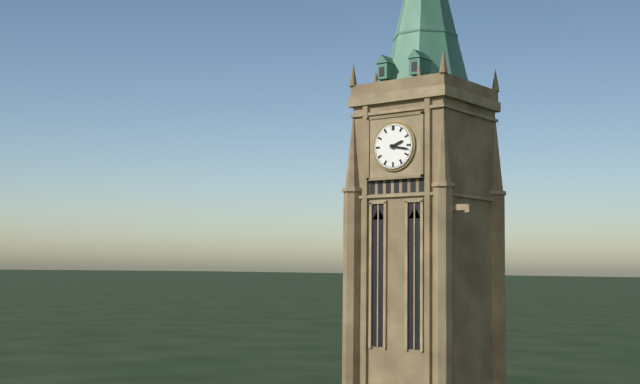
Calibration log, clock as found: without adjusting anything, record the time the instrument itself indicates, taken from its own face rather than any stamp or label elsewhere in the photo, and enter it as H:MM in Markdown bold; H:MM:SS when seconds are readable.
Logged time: **2:17**
